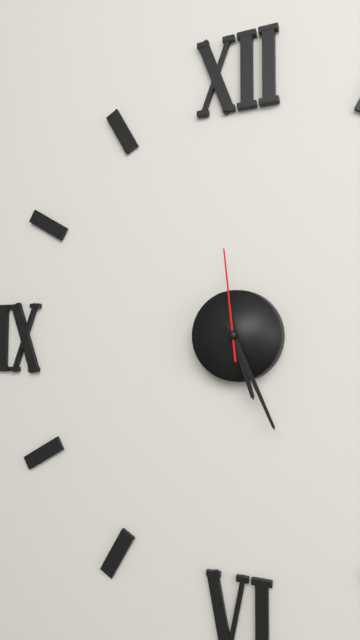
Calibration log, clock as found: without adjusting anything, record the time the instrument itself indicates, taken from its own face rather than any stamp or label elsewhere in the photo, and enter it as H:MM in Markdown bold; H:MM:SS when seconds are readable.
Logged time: **5:26:59**
